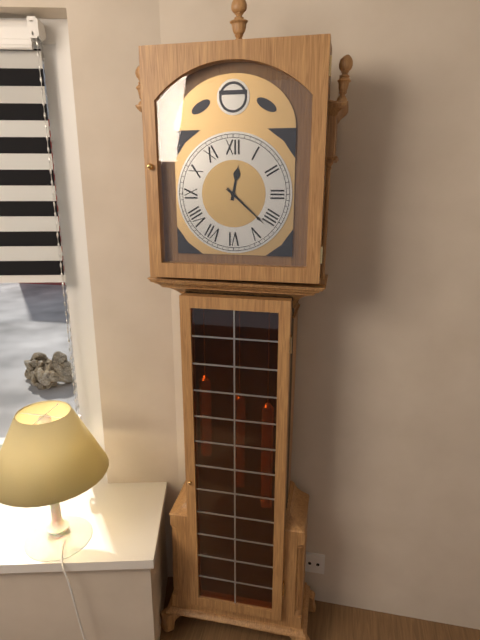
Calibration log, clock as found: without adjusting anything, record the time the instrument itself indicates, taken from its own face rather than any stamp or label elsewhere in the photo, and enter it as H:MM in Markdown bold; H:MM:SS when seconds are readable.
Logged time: **12:22**
